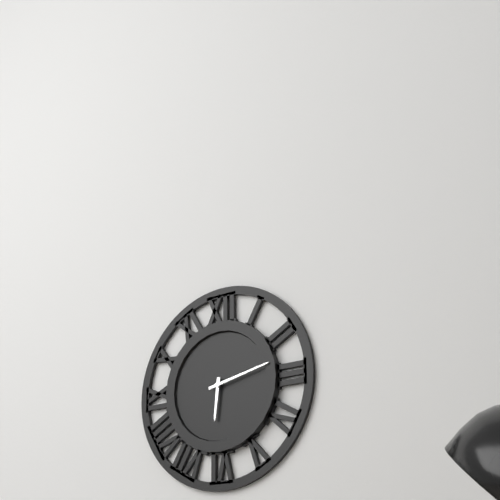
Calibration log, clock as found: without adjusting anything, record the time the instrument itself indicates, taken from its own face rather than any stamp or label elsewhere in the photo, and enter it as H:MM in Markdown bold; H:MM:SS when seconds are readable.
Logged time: **6:13**
